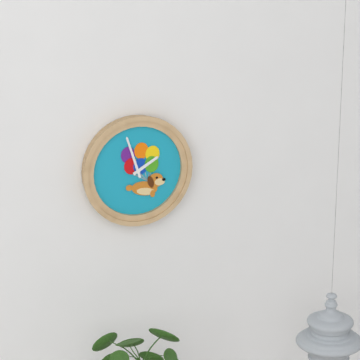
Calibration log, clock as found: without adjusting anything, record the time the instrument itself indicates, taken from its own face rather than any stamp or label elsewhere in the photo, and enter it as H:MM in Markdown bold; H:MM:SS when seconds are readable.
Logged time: **1:57**
